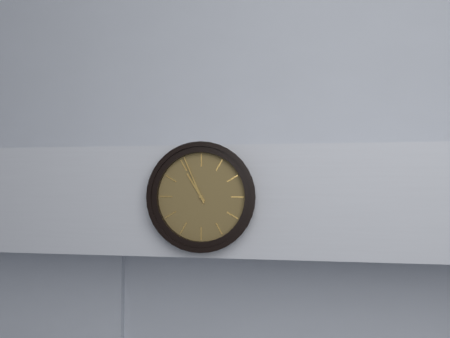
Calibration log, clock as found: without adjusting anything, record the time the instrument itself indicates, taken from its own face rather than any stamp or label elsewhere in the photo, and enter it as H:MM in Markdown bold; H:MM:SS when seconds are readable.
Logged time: **10:56**
